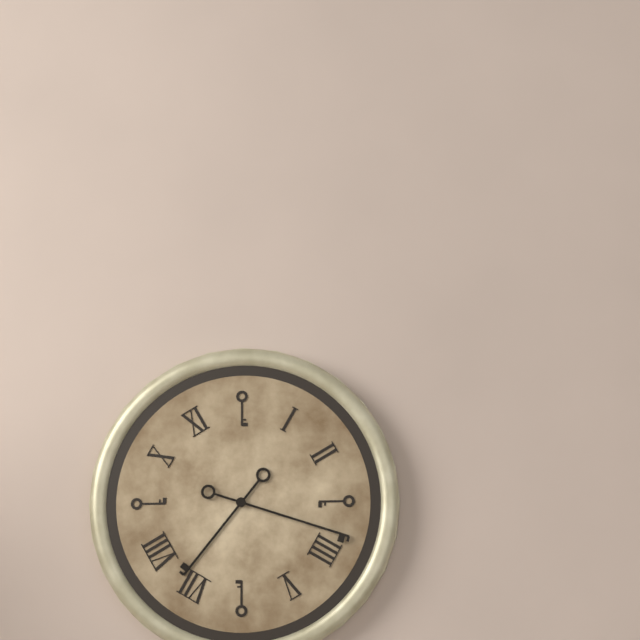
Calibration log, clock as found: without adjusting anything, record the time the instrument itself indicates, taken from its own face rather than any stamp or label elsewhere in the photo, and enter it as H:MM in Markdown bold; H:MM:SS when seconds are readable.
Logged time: **7:18**
